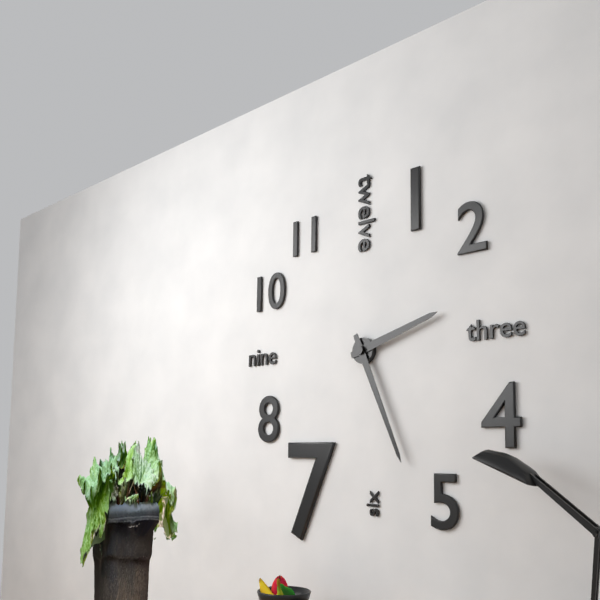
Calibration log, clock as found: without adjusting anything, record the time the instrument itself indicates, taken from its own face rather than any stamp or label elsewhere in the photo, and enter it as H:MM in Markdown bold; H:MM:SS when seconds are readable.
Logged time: **2:26**
